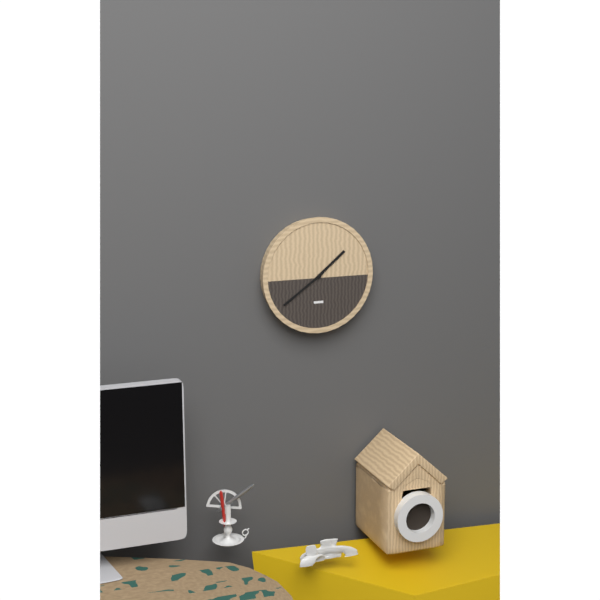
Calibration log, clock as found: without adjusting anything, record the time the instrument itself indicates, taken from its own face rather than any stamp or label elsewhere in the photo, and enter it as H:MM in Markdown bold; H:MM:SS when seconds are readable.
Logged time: **1:39**
